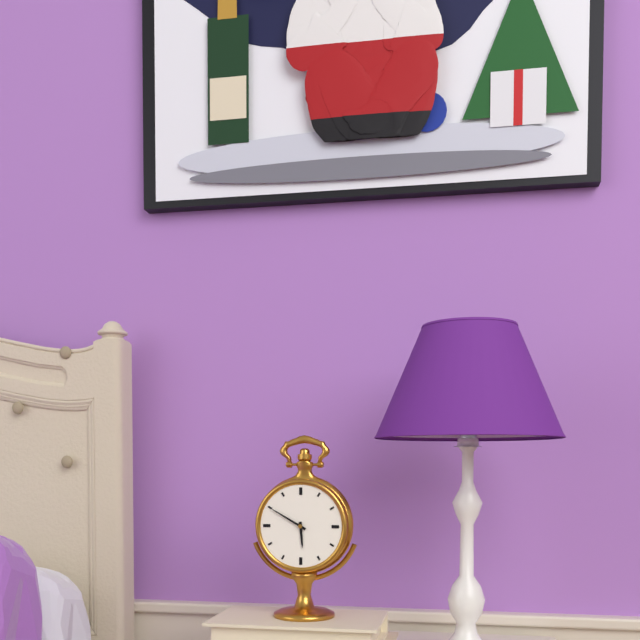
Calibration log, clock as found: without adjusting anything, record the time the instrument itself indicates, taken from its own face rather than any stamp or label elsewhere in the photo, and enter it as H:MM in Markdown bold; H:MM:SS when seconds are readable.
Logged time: **5:50**
